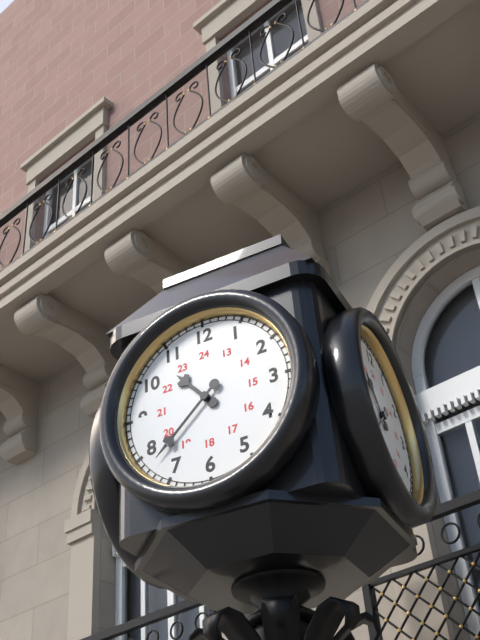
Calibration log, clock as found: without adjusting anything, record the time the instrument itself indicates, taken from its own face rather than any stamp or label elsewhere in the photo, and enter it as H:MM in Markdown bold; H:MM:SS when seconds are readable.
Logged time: **10:38**
